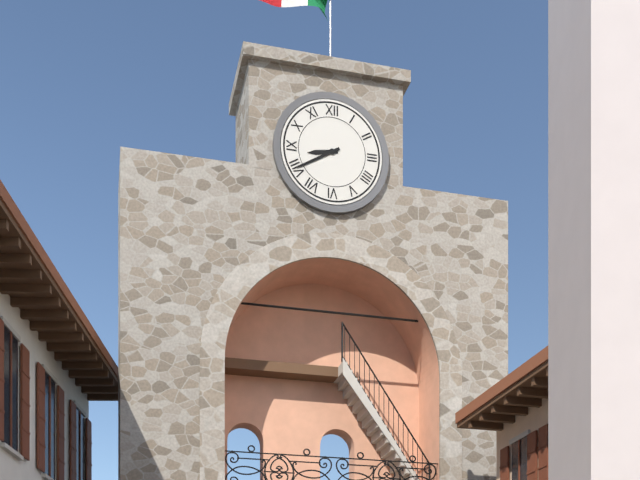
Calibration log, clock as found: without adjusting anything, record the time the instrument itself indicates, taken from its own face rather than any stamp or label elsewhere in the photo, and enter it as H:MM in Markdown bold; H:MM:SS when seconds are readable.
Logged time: **8:40**
